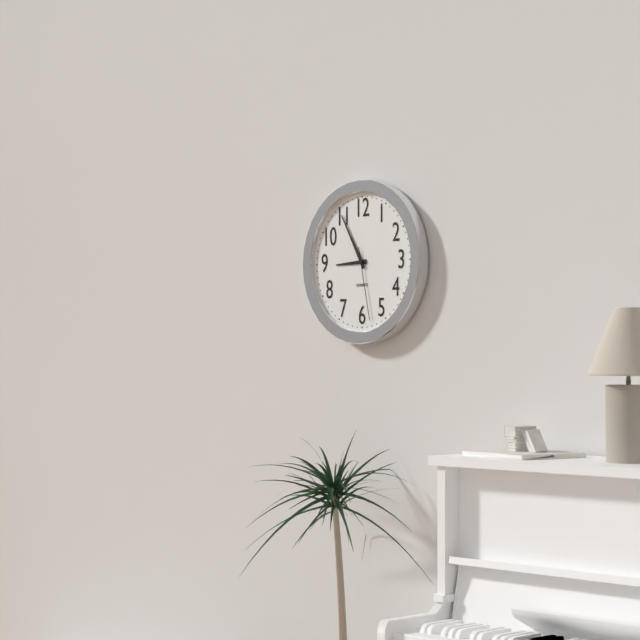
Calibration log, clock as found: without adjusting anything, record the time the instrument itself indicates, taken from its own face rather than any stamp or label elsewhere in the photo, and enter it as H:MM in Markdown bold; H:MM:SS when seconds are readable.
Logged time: **8:55:28**
